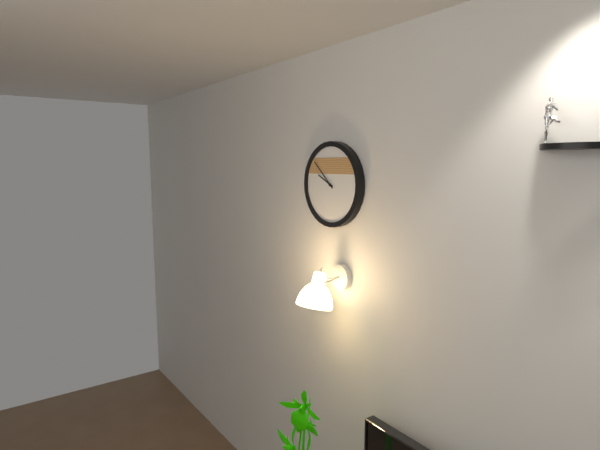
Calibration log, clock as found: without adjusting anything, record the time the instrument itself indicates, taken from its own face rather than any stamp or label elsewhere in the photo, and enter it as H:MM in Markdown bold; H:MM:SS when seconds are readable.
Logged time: **9:52**
